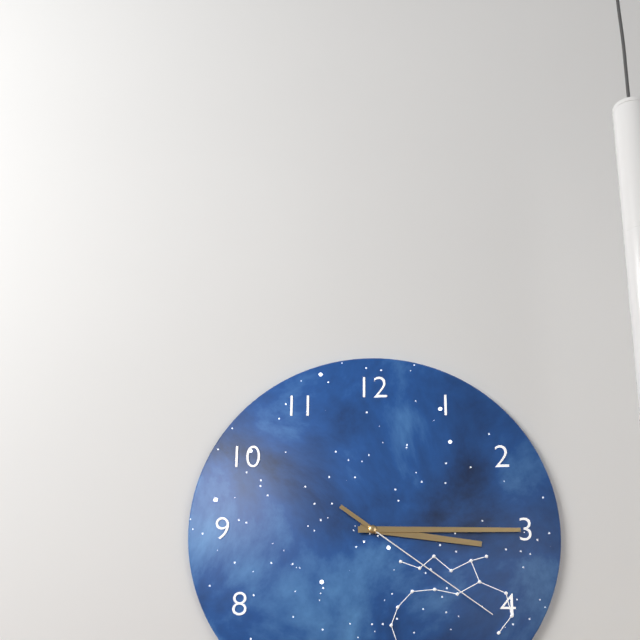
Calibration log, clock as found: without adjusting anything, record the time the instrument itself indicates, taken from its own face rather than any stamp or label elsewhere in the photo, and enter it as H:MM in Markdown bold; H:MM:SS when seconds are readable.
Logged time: **3:15:21**
